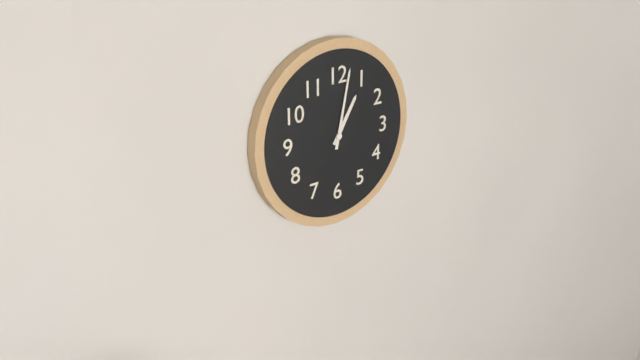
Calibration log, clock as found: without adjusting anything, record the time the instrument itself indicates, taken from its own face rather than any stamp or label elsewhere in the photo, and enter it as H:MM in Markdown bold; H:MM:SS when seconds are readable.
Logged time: **1:02**
